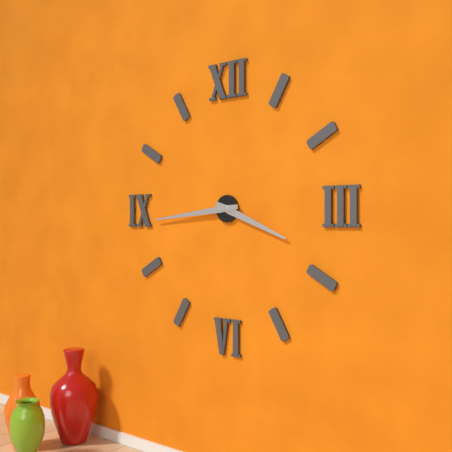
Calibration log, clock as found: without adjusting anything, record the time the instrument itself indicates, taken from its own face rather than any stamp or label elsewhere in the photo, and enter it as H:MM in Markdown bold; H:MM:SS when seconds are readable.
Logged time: **3:44**
